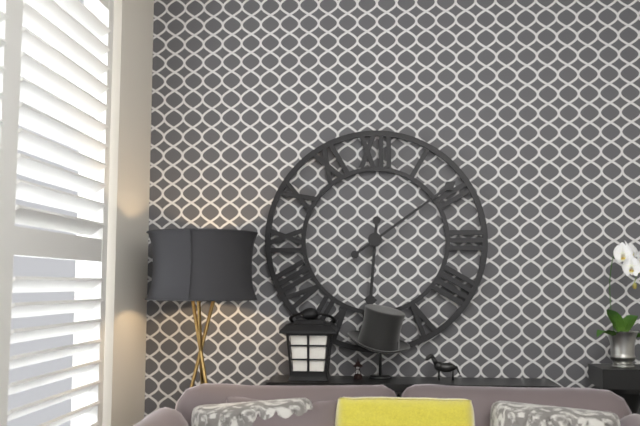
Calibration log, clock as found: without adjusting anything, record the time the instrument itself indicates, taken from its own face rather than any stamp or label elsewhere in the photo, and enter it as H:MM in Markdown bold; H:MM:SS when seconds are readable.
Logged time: **6:09**
